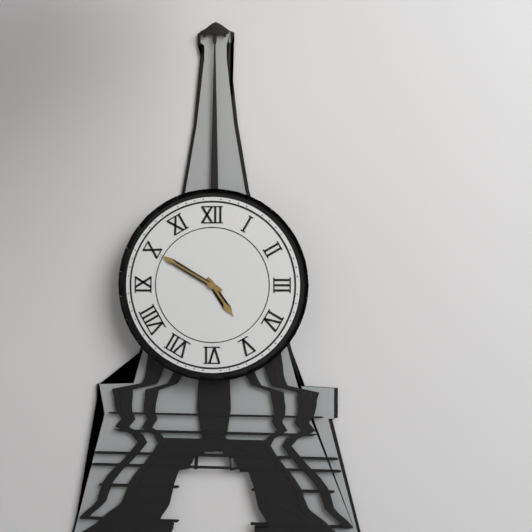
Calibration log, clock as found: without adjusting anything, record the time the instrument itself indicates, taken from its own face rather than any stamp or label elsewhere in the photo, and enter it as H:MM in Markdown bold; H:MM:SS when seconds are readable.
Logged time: **4:50**
